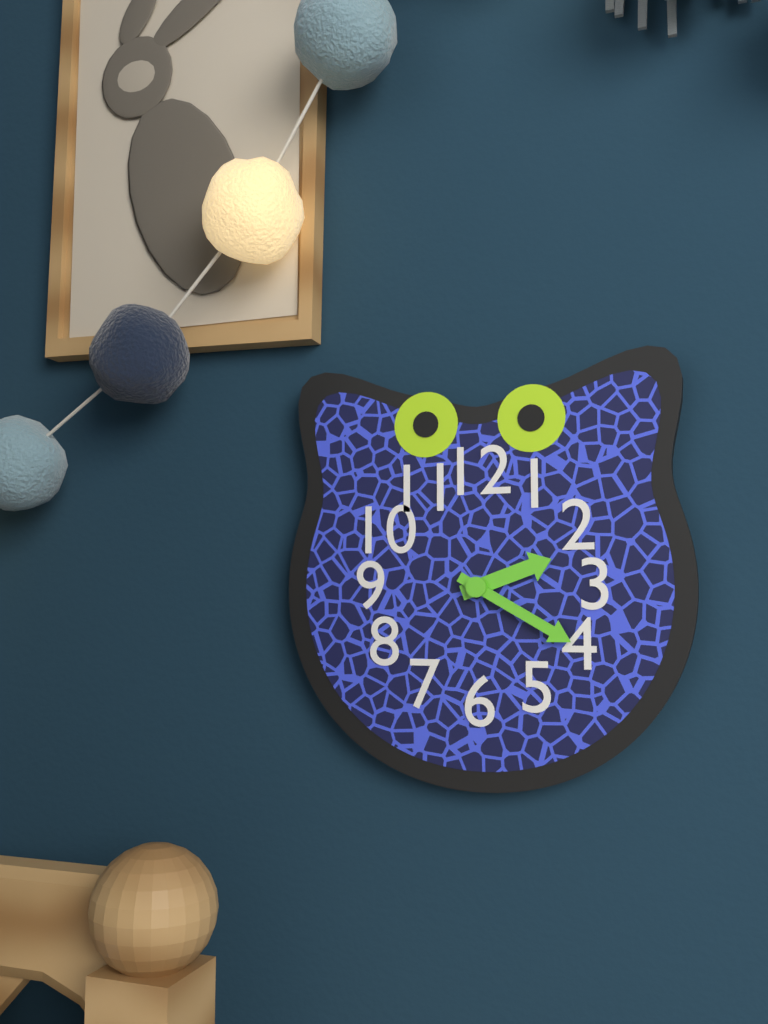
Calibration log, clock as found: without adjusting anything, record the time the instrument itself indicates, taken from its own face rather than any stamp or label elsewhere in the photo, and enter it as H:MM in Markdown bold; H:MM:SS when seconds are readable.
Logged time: **2:20**
